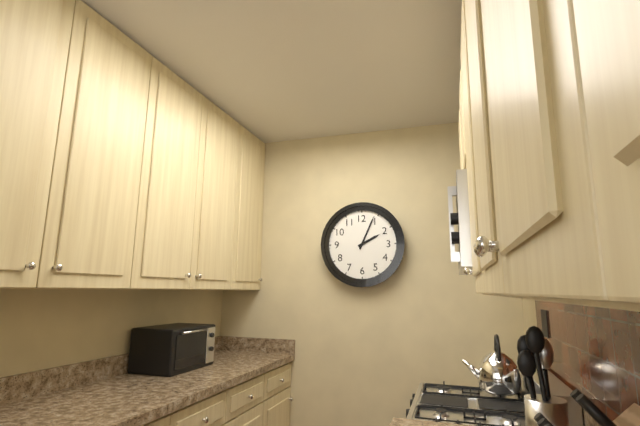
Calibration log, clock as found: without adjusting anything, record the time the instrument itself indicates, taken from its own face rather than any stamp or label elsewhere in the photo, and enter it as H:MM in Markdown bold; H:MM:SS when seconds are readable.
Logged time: **2:04**
